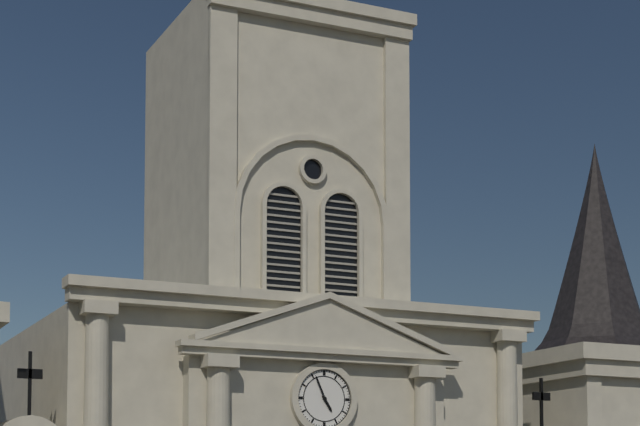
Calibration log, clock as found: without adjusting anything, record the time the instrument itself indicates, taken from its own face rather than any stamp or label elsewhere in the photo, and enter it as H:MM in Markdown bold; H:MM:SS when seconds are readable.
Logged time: **4:56**
